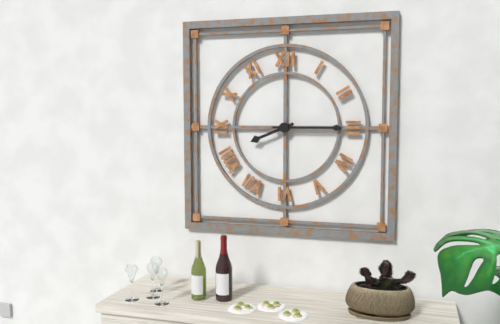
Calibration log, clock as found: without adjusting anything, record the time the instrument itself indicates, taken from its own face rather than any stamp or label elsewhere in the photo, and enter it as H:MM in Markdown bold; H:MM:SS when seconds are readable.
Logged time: **8:15**
